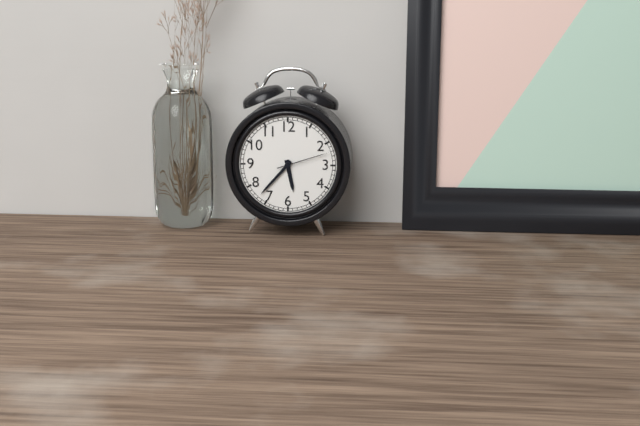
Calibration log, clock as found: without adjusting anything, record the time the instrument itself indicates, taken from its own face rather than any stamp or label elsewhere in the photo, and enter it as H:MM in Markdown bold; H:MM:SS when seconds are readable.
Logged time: **5:37:12**
